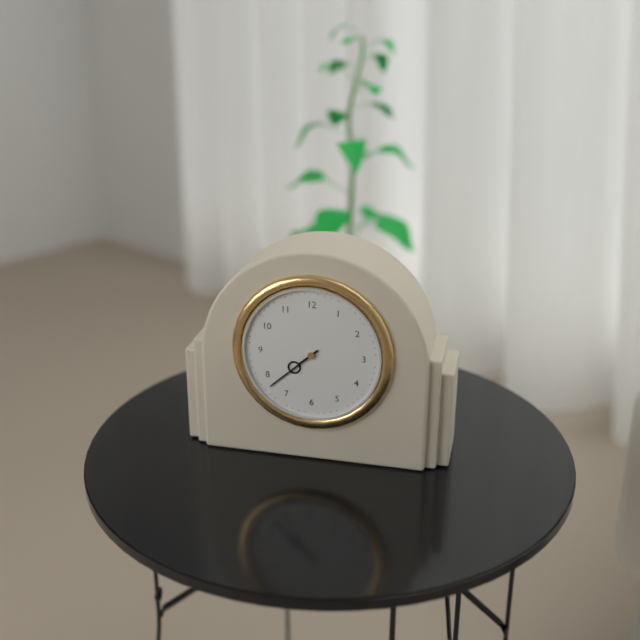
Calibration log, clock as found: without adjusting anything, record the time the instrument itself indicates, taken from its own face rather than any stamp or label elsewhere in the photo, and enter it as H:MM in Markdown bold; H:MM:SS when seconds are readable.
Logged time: **7:38**
